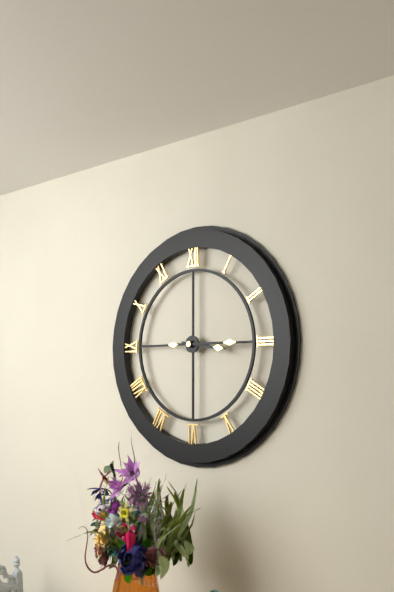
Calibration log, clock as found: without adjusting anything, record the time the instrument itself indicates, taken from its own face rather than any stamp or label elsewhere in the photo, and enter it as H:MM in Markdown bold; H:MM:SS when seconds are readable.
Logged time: **3:15**
